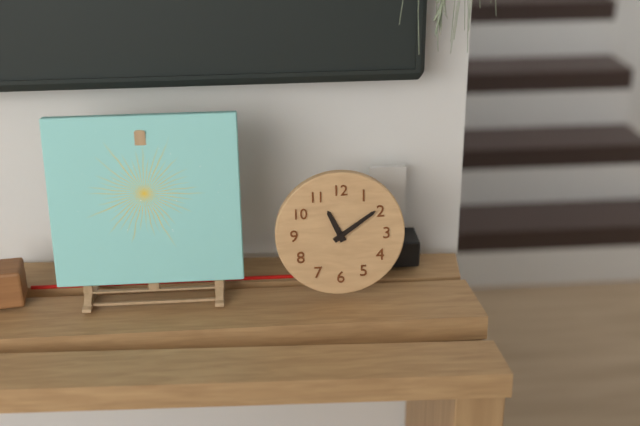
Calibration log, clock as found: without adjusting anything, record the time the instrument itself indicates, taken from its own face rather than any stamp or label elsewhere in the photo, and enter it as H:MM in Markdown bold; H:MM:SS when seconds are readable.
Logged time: **11:09**
